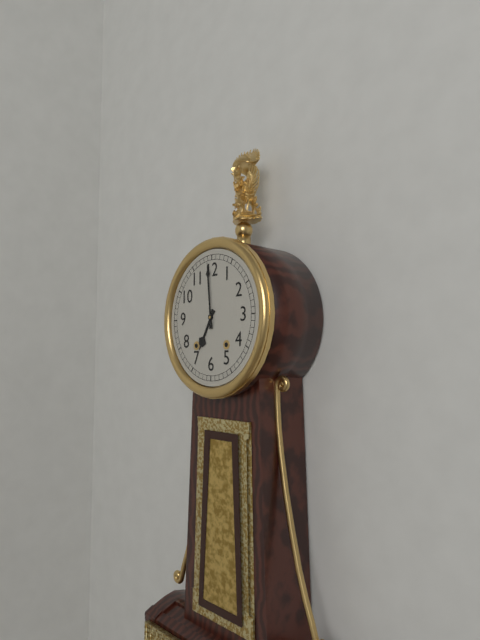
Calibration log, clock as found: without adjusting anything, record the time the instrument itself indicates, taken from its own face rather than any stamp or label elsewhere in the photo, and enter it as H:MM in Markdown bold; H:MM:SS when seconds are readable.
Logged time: **6:59**
